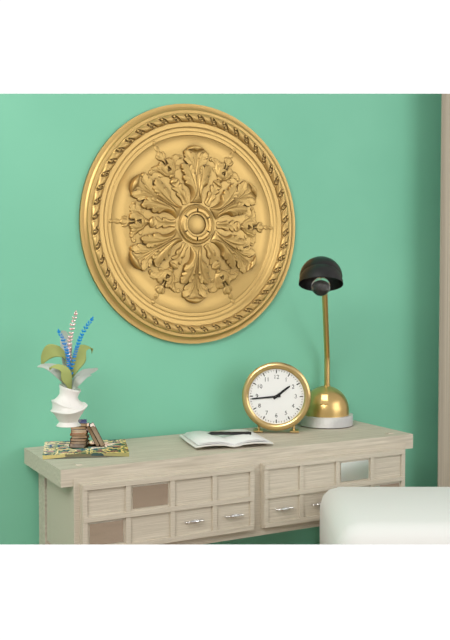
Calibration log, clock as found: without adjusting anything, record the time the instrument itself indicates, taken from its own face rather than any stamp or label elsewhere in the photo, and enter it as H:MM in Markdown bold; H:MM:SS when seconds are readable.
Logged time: **1:44**
